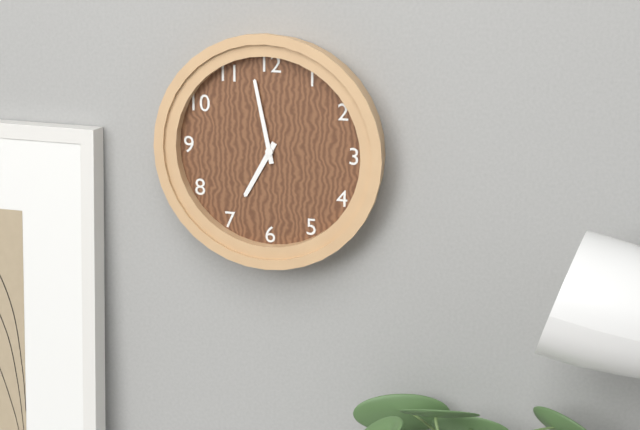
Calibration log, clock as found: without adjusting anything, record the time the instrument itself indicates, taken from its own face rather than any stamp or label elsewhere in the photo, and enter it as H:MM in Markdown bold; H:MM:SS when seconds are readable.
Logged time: **6:58**
